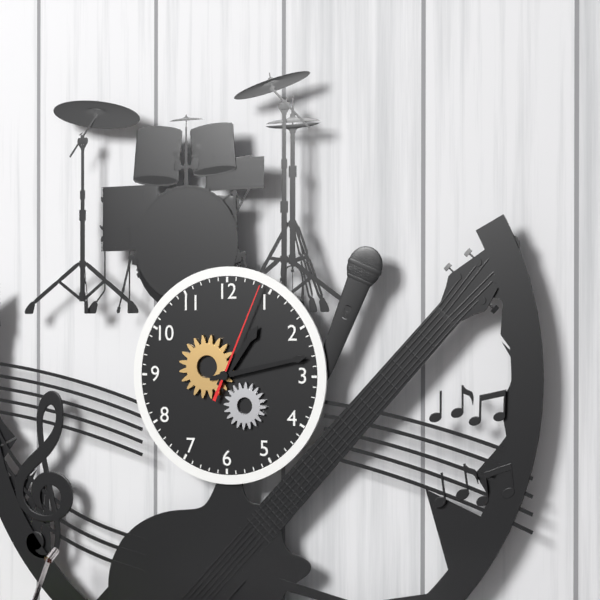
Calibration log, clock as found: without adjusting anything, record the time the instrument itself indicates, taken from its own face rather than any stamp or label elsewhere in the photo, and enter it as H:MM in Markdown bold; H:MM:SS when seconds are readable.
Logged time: **1:13:04**
